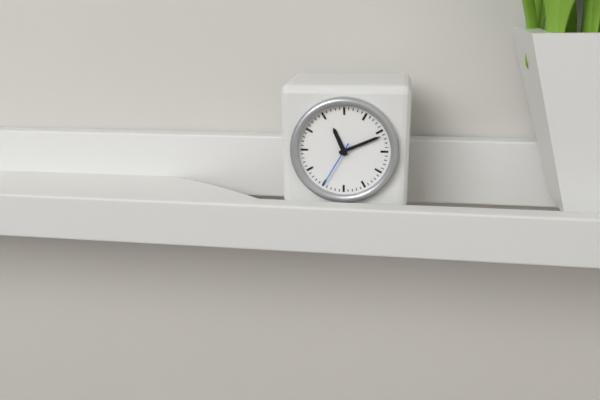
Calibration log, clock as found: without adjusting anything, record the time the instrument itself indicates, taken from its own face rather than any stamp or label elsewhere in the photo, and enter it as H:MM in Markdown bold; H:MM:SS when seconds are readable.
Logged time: **11:11**
